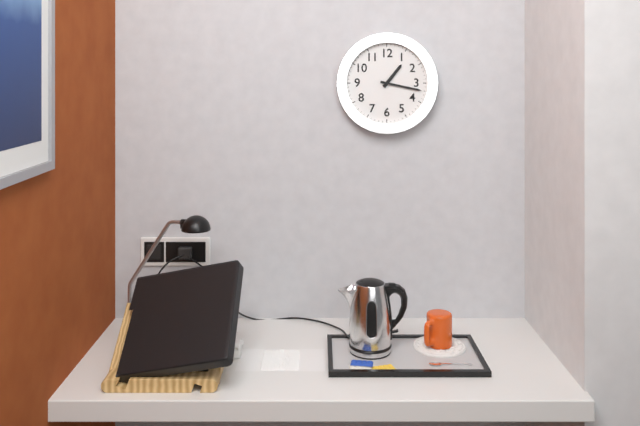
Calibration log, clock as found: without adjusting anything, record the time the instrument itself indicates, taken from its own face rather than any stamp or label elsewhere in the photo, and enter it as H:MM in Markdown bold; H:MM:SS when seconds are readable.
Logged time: **1:17**
